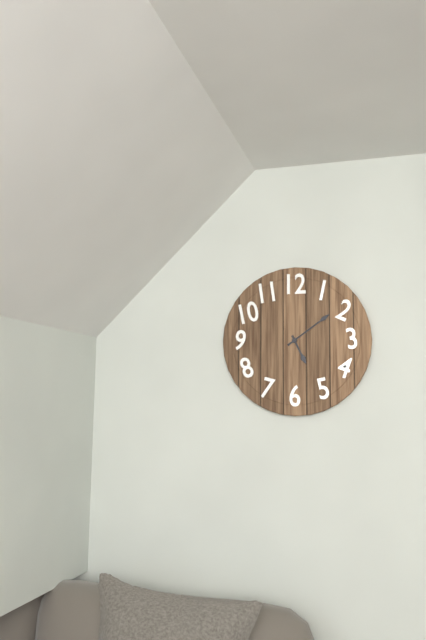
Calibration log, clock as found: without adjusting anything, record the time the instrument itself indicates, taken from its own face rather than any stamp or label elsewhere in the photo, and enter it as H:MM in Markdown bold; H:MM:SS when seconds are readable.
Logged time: **5:09**
